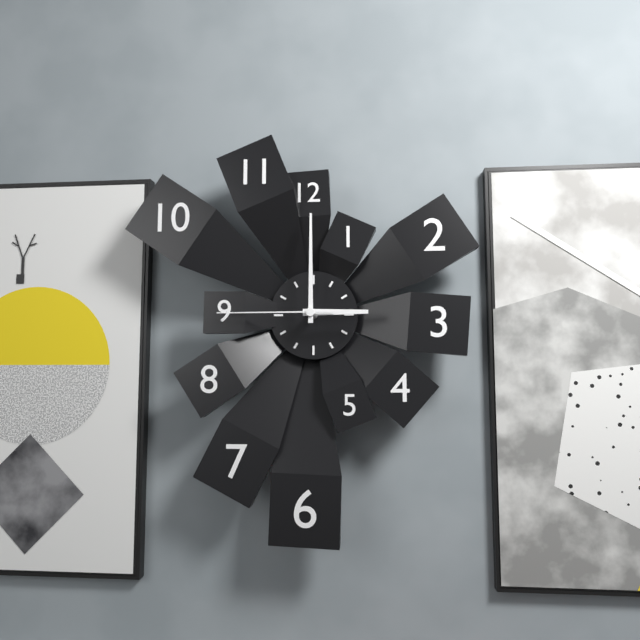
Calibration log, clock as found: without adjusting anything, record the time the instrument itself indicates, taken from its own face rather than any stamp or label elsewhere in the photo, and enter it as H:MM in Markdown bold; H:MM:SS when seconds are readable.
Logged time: **3:00:45**
